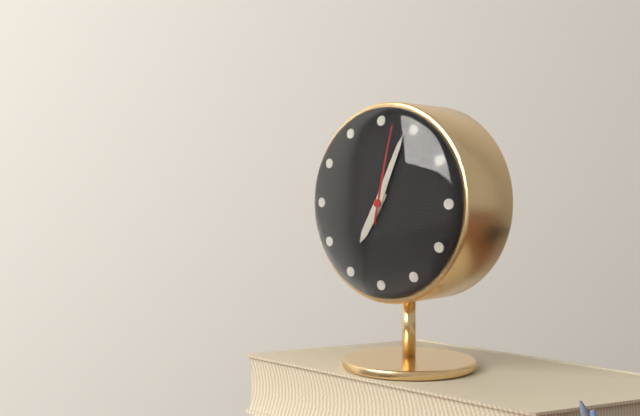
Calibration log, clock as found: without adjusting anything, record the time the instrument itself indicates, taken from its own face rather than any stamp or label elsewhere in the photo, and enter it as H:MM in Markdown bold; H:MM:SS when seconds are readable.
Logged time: **7:04:02**
